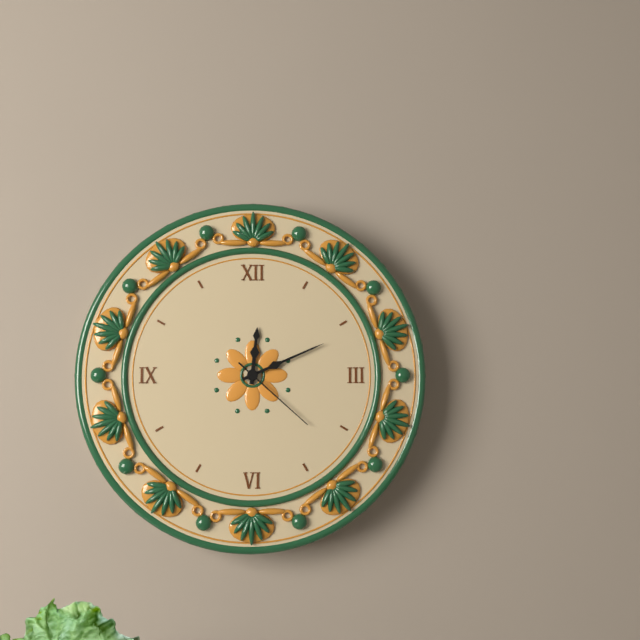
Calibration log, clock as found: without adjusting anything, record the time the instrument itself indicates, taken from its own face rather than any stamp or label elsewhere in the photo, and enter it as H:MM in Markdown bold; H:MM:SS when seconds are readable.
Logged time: **12:11:22**
